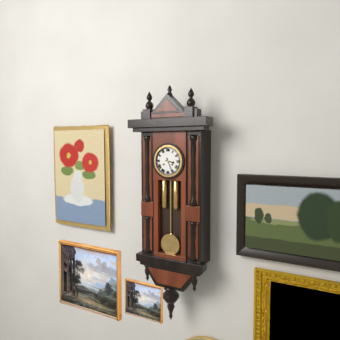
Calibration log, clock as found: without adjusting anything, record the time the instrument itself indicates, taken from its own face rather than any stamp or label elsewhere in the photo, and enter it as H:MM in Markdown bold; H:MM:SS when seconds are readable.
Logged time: **3:26**
